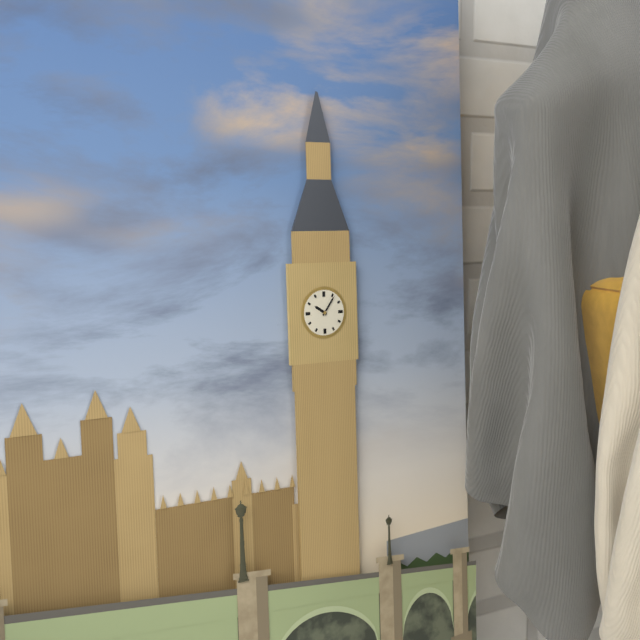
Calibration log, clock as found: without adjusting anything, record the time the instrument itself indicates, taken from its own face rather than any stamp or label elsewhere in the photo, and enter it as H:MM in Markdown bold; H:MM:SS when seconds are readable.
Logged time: **10:06**
